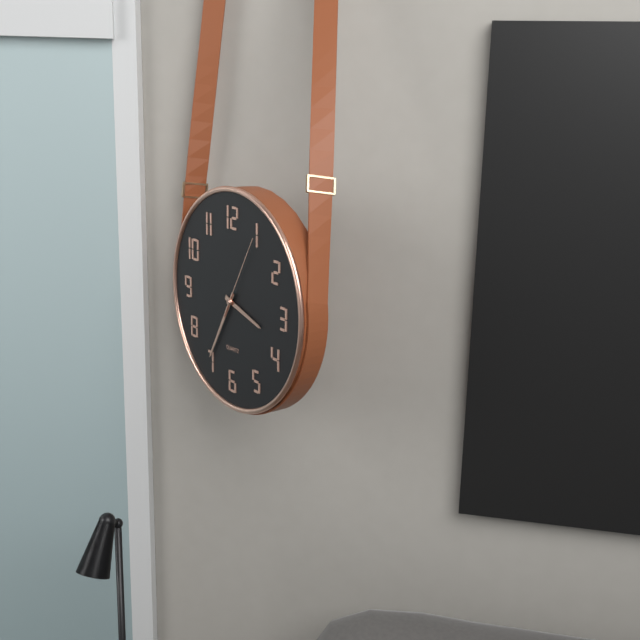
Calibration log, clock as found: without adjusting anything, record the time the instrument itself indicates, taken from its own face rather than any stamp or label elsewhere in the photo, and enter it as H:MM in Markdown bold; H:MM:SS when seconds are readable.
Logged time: **3:35:05**
